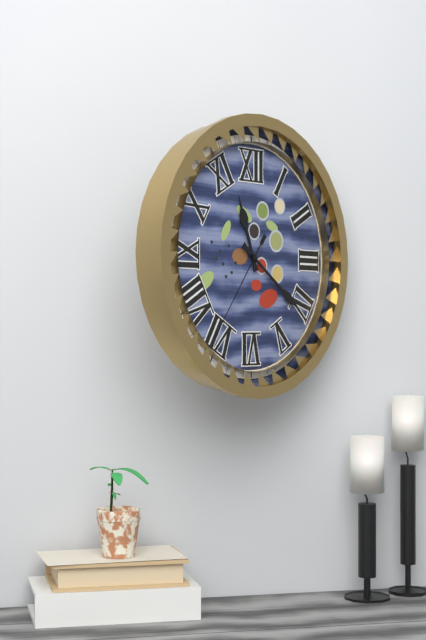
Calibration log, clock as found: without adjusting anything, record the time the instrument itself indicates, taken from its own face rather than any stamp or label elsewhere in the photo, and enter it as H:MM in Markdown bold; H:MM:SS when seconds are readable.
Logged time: **11:21:36**
